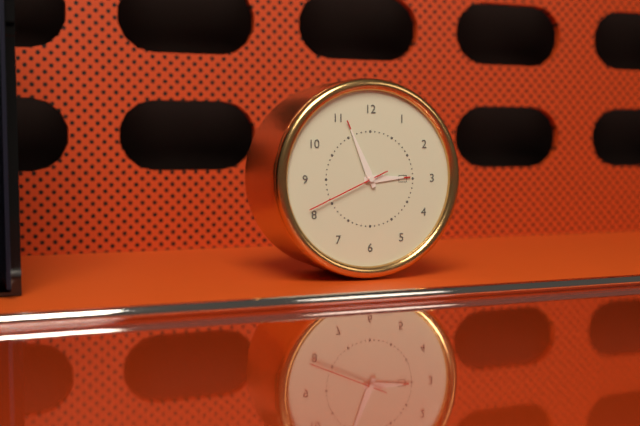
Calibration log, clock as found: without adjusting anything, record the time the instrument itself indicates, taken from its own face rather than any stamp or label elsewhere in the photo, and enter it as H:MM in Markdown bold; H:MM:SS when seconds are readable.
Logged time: **2:56:41**
